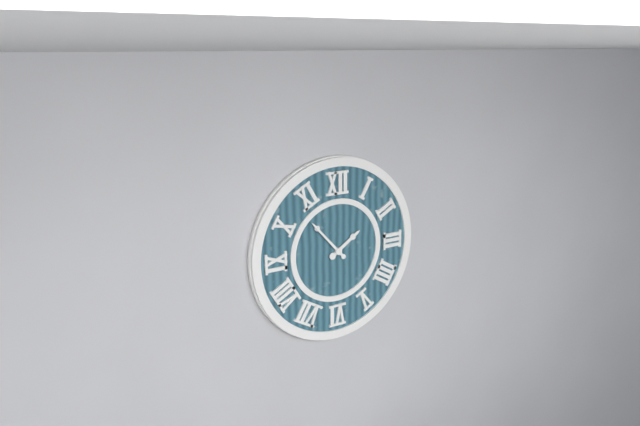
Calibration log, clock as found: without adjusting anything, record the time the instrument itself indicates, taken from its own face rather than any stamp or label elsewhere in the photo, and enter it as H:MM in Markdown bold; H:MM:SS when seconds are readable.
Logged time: **1:53**
